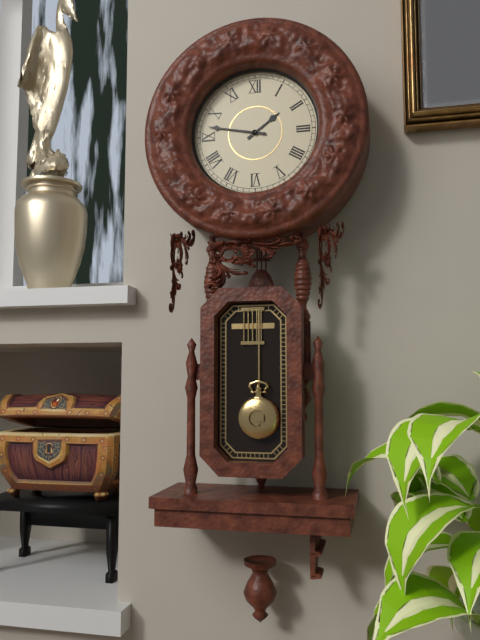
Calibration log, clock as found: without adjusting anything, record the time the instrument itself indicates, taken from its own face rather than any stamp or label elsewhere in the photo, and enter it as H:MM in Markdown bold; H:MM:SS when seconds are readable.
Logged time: **1:47**
